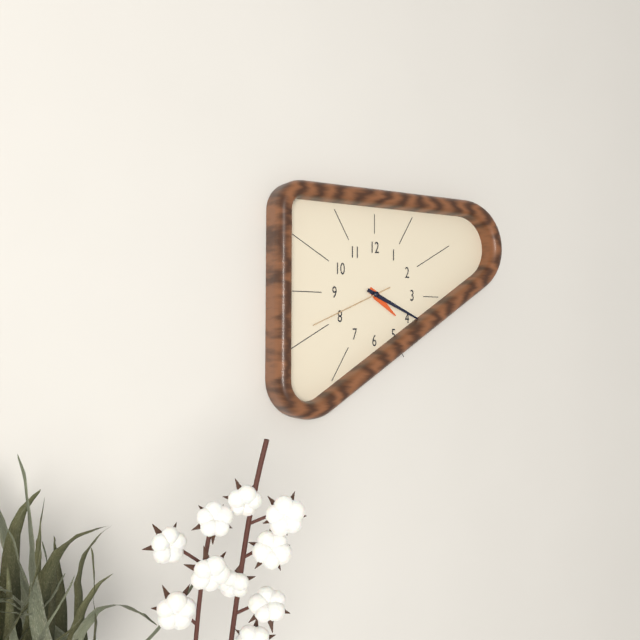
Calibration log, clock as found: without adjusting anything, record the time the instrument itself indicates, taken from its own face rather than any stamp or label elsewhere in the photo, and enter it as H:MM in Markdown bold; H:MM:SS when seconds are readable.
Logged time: **4:19:41**
